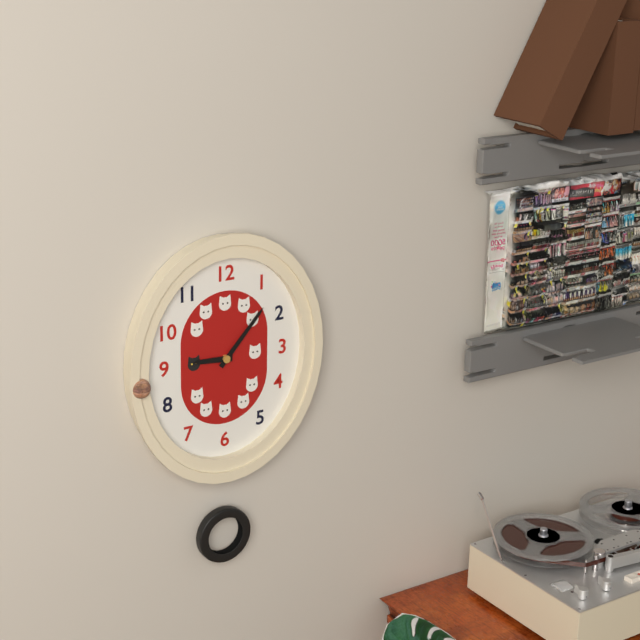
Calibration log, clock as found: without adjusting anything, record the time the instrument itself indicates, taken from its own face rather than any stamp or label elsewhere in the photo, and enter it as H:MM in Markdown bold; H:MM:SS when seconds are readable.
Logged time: **9:07**
